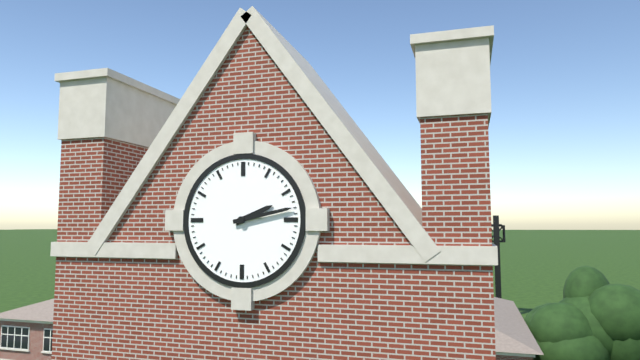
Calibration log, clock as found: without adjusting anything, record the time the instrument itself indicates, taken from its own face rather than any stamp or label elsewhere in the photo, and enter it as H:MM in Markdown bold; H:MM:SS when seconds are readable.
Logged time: **2:13**
